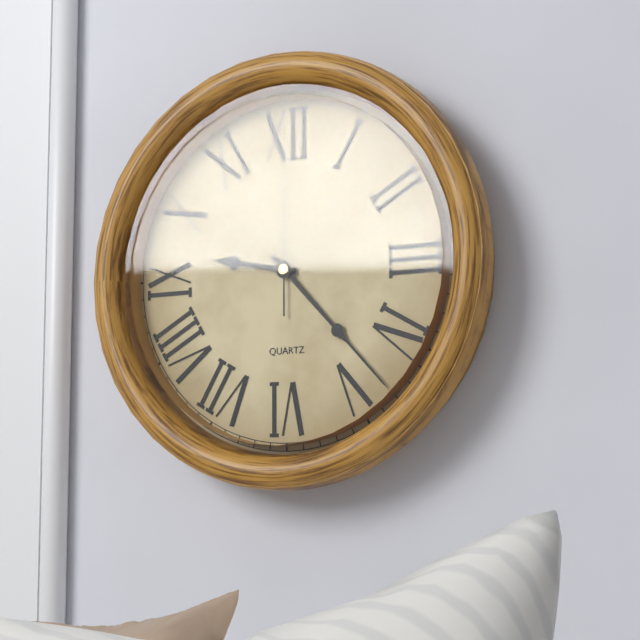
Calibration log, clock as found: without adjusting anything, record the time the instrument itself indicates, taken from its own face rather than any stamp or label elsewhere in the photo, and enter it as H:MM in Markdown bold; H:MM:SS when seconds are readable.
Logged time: **9:23:00**
